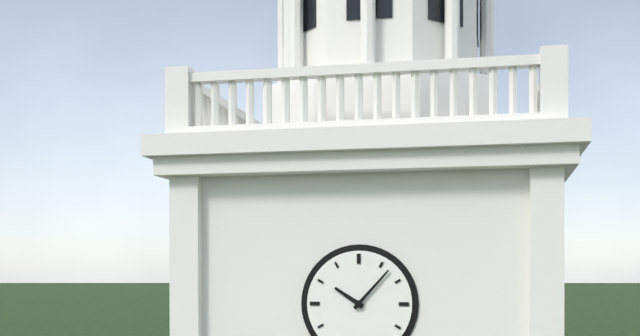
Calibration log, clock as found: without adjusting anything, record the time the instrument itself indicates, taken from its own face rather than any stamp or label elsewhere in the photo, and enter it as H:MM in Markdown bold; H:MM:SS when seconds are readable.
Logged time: **10:07**
